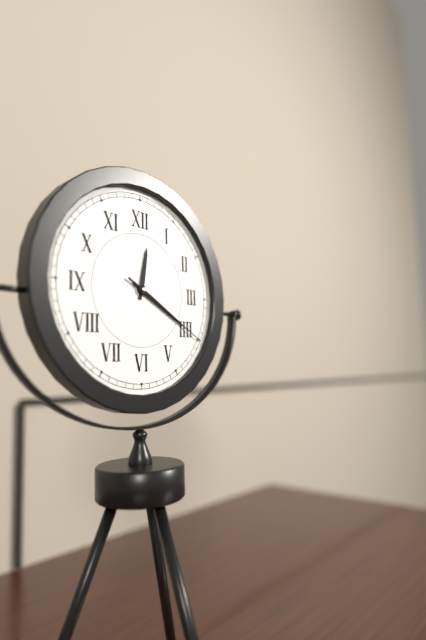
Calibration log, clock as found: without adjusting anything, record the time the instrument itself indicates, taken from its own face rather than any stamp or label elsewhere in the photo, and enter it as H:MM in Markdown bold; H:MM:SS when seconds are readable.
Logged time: **12:20:20**
